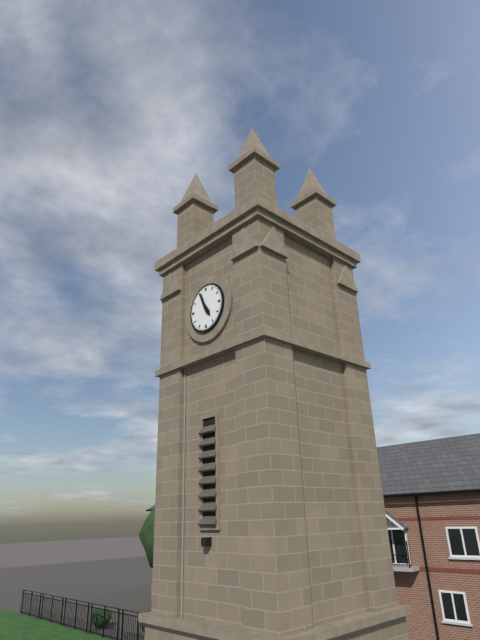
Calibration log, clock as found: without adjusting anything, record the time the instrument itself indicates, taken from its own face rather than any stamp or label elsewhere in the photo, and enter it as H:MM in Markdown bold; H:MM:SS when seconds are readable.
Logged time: **4:56**
